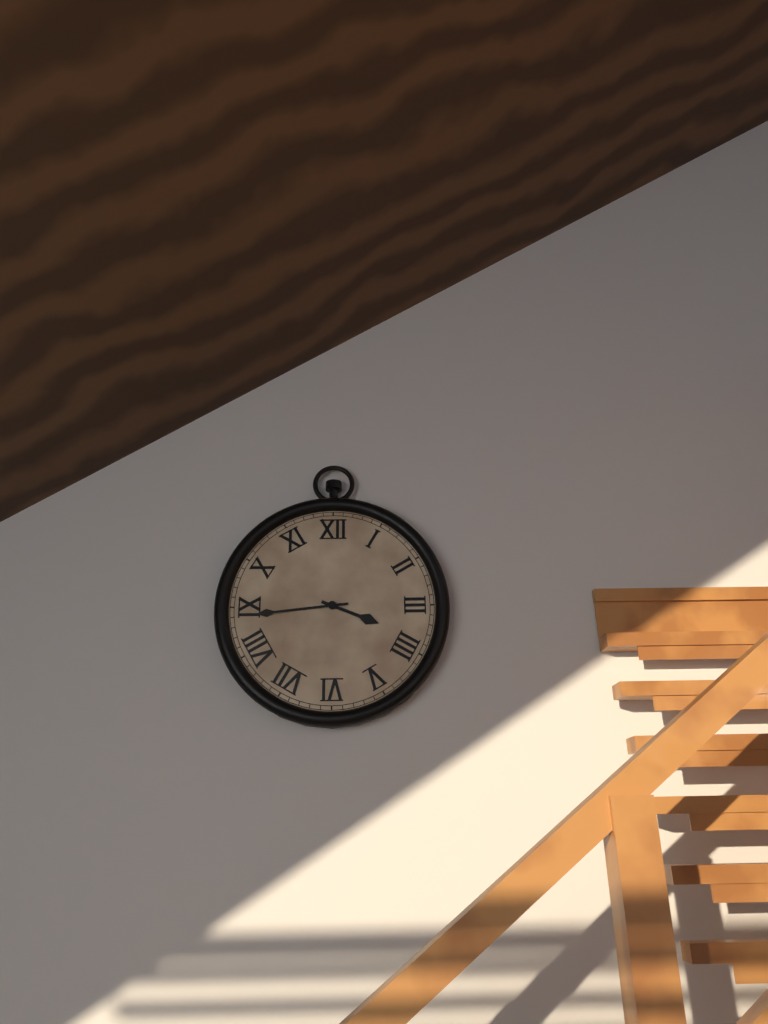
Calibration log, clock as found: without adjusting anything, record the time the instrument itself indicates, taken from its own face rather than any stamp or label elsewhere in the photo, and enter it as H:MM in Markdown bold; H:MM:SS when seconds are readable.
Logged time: **3:44**
